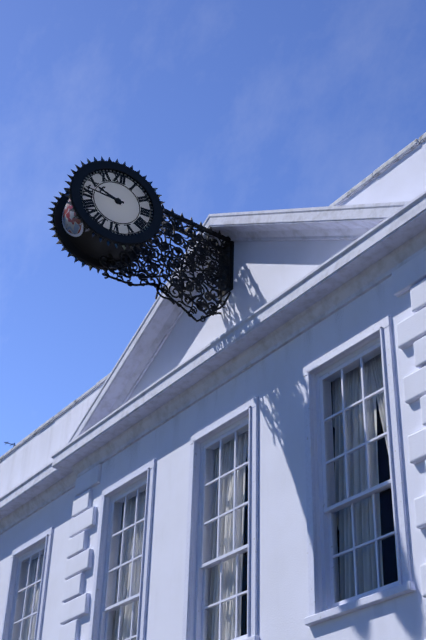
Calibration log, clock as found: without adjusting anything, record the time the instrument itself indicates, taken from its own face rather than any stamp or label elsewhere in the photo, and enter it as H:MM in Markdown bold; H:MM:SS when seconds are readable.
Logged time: **9:46**
